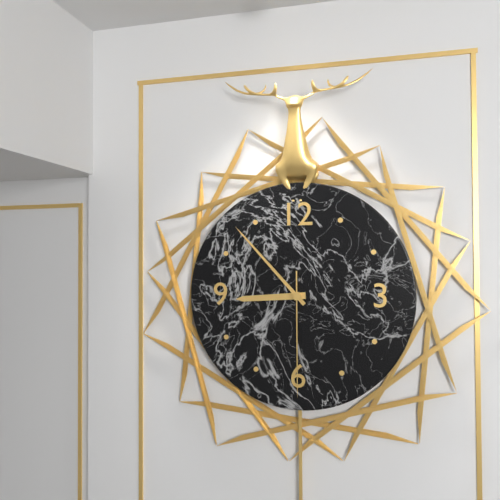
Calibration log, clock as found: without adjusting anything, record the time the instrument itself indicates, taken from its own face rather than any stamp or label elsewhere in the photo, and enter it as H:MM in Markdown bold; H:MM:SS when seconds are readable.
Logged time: **8:53:30**
